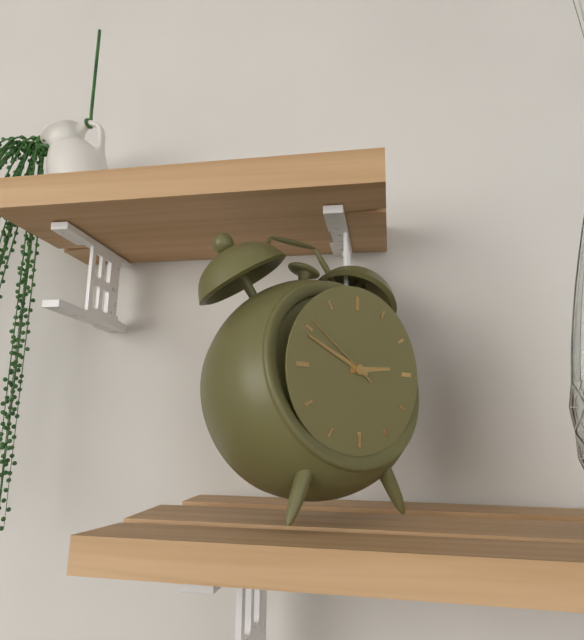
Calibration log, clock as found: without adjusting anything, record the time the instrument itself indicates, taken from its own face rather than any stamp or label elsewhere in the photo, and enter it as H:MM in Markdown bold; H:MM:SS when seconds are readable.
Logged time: **2:49:51**
